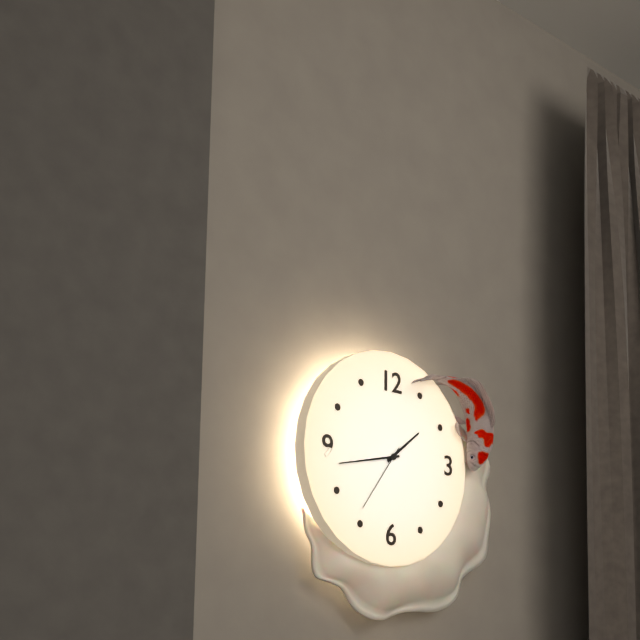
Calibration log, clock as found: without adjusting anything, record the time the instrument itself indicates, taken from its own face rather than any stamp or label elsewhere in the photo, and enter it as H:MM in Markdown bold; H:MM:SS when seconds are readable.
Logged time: **1:43:36**
